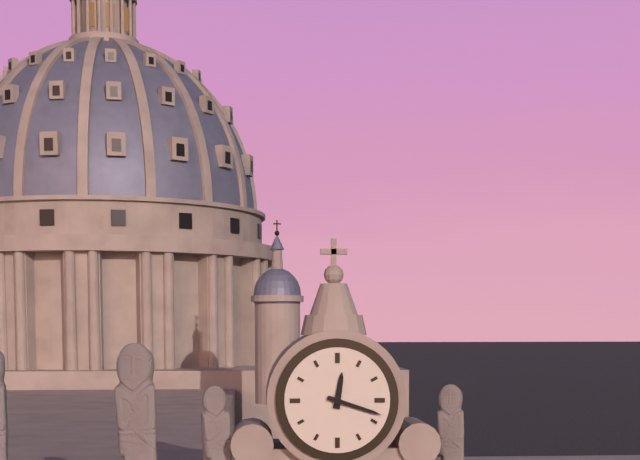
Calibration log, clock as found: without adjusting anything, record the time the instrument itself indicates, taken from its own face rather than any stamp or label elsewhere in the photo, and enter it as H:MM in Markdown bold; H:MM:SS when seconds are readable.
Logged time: **12:18**
